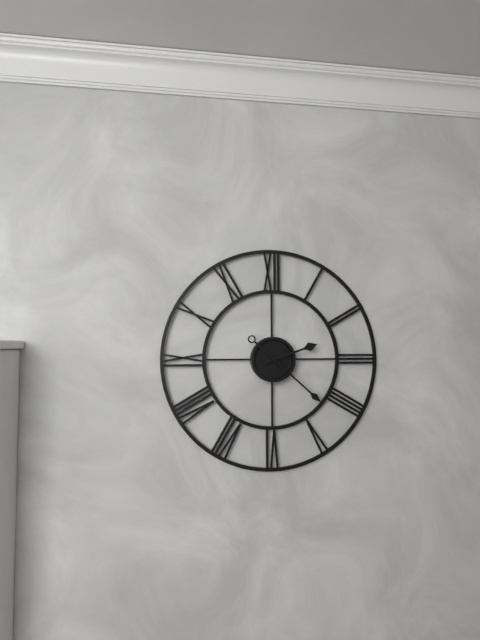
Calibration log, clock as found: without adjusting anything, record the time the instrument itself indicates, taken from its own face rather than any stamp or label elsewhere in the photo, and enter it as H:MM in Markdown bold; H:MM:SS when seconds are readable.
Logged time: **2:22**
